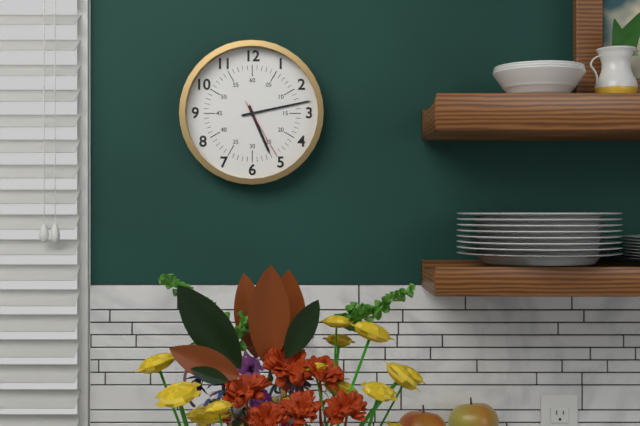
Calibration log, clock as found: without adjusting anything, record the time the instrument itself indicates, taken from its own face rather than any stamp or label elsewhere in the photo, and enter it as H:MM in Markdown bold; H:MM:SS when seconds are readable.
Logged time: **5:13:25**
